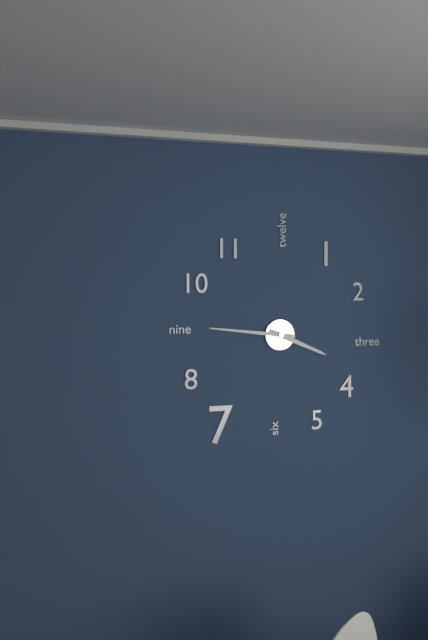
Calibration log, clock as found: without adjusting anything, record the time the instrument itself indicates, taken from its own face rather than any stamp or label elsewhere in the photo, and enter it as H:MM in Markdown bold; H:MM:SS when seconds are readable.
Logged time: **3:46**
